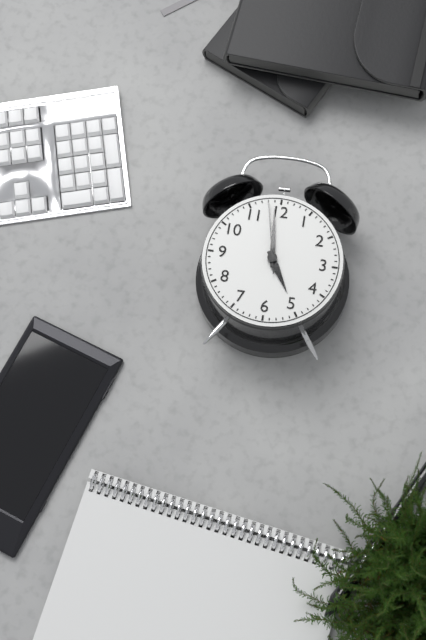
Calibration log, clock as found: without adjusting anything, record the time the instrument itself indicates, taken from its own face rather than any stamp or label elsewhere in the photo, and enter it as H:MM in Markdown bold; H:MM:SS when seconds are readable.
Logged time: **4:59:58**
